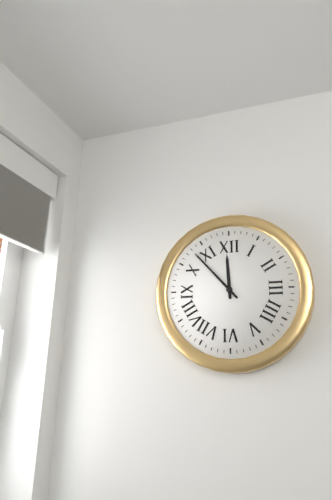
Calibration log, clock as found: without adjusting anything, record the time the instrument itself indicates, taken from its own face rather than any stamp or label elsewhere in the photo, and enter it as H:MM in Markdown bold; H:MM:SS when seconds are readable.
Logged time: **11:53**
